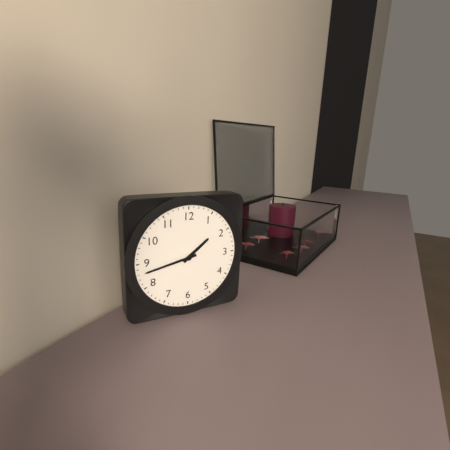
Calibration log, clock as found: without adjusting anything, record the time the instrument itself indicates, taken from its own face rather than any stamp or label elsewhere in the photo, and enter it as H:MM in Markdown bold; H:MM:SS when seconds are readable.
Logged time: **1:43**
